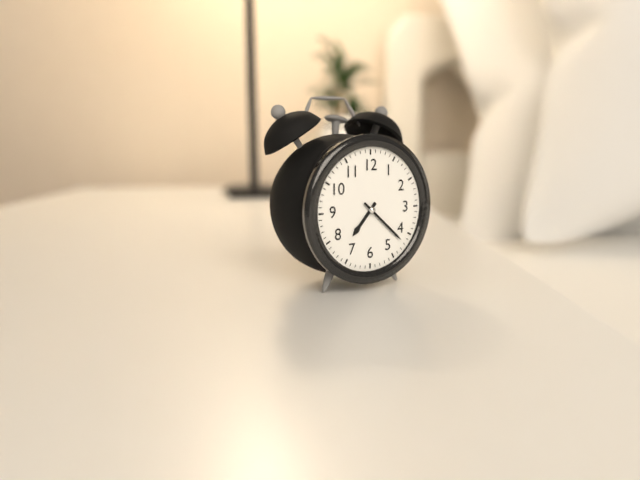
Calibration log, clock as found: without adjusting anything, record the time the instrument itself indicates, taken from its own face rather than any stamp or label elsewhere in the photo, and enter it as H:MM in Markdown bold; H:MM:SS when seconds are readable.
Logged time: **7:22**
